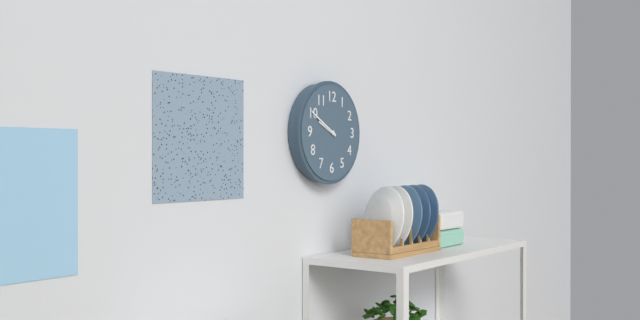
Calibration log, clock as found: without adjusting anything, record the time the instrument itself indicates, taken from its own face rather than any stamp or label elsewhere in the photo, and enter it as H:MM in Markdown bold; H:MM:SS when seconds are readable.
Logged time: **9:50**
